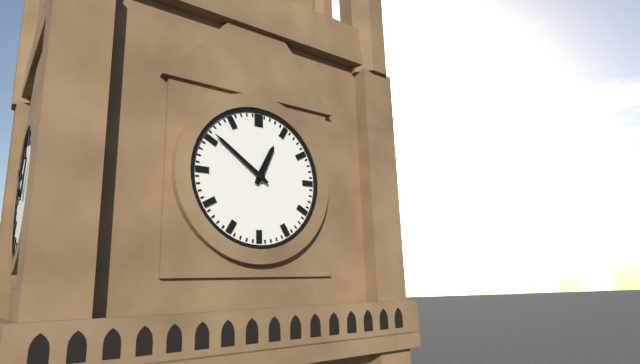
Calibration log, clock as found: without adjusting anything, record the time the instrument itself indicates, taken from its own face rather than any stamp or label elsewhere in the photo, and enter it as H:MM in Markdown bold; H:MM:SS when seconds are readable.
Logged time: **12:51**
